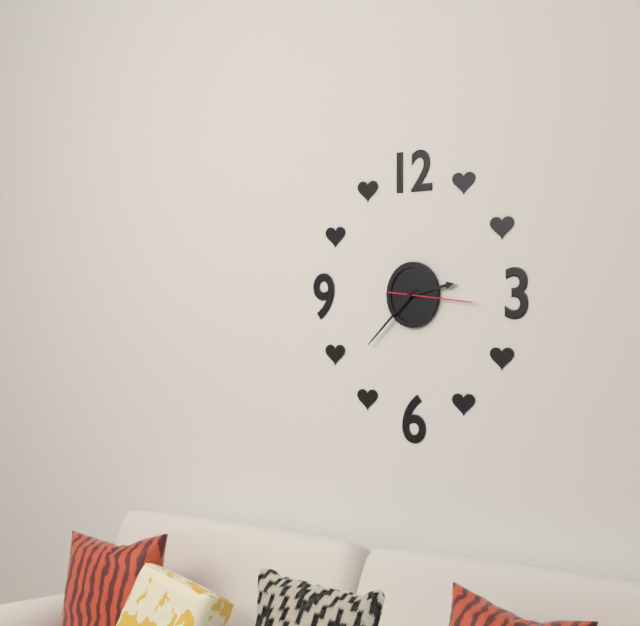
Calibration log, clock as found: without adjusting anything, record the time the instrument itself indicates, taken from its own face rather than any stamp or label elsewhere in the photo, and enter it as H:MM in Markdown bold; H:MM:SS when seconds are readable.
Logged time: **2:38:16**
